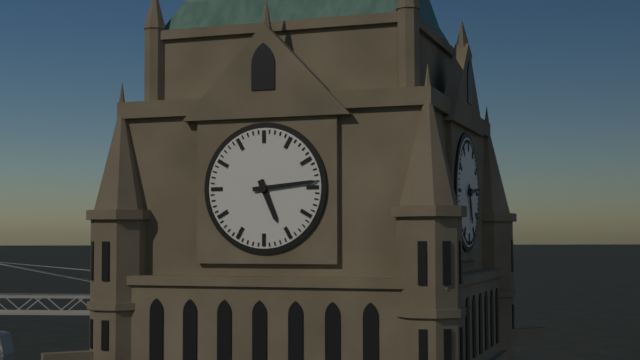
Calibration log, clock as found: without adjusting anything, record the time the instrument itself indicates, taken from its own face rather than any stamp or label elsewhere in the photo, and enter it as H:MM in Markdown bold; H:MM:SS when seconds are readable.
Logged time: **5:14**
